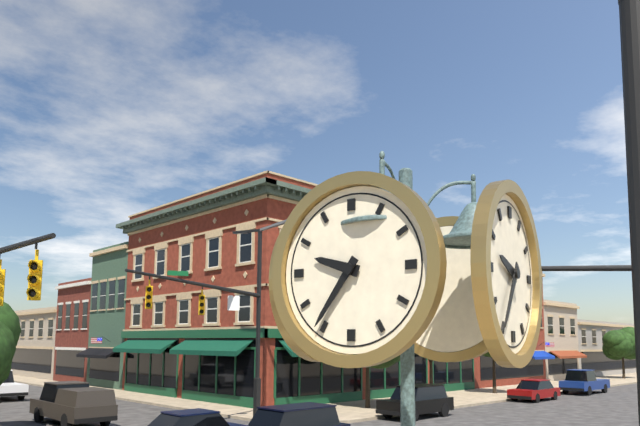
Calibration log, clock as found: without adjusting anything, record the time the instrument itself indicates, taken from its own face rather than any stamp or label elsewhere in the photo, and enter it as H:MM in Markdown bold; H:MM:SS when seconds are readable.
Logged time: **9:36**
